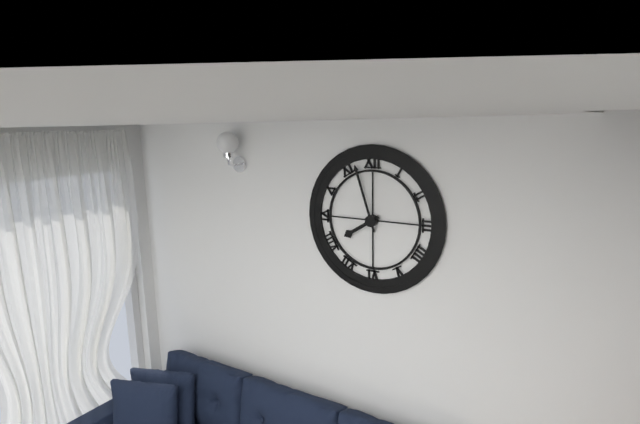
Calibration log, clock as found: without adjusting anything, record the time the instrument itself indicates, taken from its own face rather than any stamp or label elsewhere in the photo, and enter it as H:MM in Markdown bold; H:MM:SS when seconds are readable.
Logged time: **7:57**
